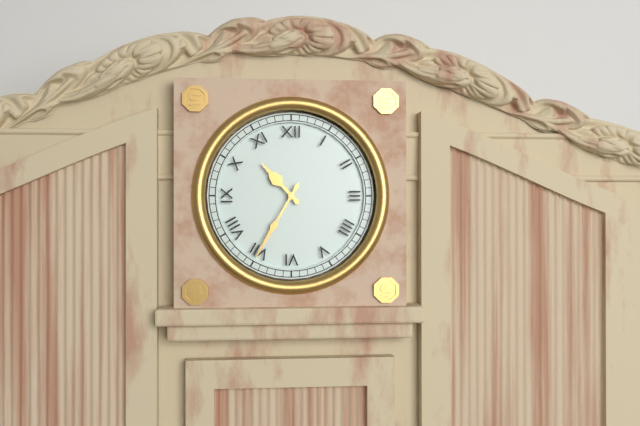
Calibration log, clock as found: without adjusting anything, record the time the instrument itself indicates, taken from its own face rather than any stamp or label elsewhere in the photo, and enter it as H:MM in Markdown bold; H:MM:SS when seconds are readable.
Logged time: **10:35**
